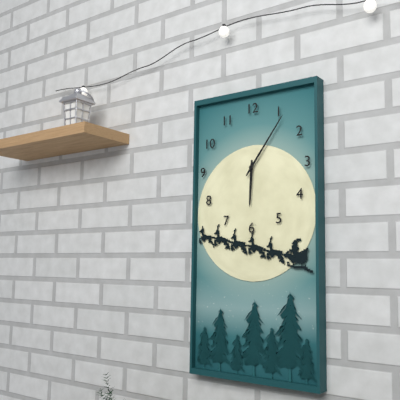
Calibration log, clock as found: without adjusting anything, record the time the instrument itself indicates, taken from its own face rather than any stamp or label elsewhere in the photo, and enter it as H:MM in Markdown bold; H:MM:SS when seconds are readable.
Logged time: **6:06**
